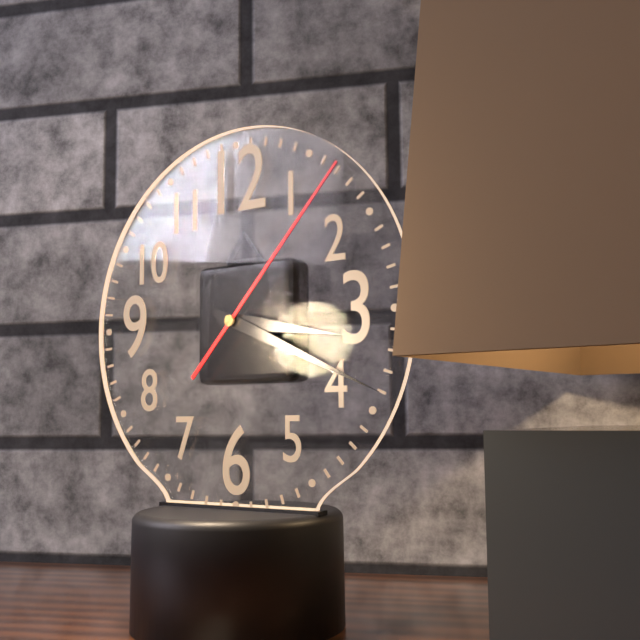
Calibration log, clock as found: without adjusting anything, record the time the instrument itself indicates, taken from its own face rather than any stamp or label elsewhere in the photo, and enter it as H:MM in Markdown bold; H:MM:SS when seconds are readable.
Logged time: **3:19:07**
